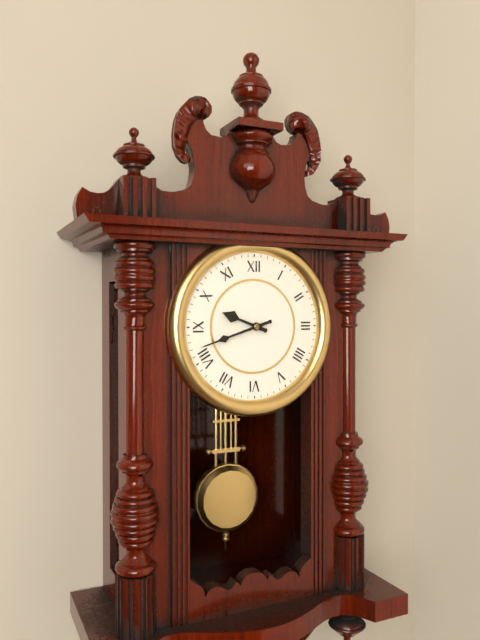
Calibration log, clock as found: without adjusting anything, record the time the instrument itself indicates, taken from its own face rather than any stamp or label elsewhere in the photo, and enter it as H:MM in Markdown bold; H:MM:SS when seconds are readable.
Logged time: **9:42**
